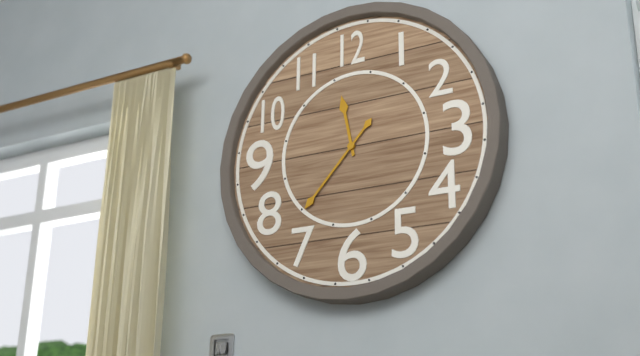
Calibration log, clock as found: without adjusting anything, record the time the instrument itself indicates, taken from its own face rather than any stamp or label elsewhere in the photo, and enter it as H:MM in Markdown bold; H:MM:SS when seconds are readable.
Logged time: **11:37**
